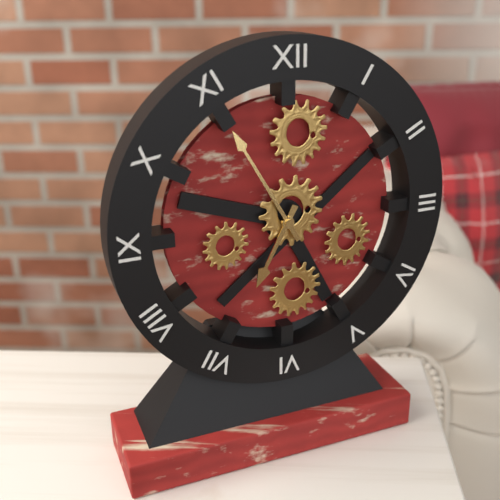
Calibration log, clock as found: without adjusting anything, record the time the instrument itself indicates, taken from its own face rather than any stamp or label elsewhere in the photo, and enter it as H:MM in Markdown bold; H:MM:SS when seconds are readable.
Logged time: **6:55**
